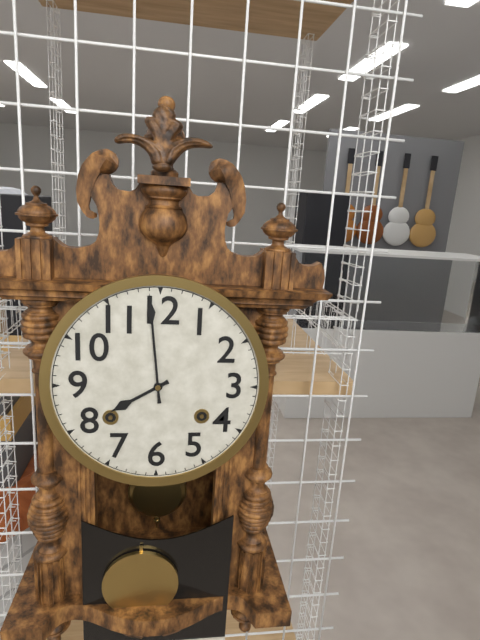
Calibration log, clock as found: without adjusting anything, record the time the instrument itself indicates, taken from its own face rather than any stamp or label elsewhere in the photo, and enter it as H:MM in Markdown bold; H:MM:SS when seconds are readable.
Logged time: **7:59**
